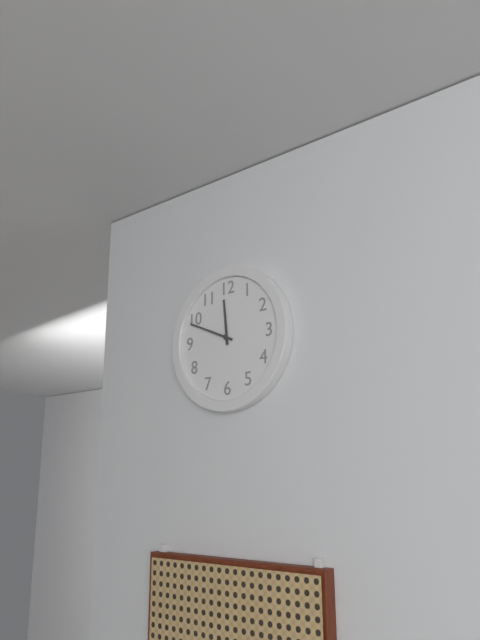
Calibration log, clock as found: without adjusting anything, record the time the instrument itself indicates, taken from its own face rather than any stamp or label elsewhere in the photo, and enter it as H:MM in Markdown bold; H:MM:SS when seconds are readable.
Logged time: **11:49**
